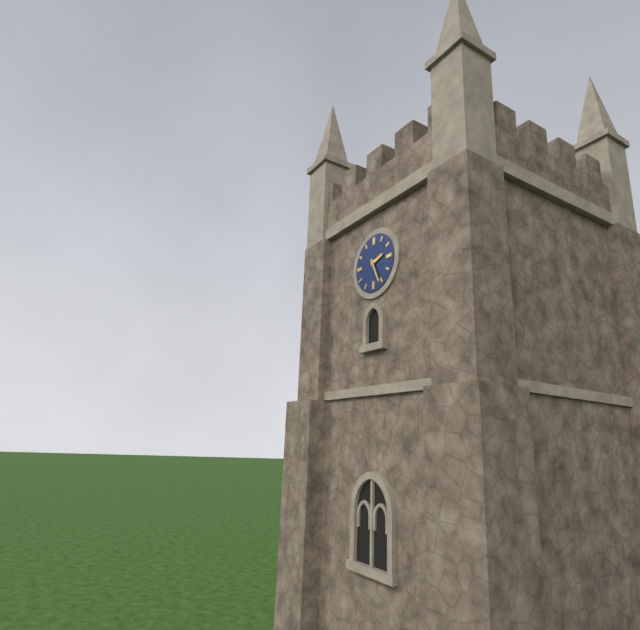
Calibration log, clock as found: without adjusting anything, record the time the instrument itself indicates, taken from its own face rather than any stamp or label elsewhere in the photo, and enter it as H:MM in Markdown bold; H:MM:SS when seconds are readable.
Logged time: **2:26**
